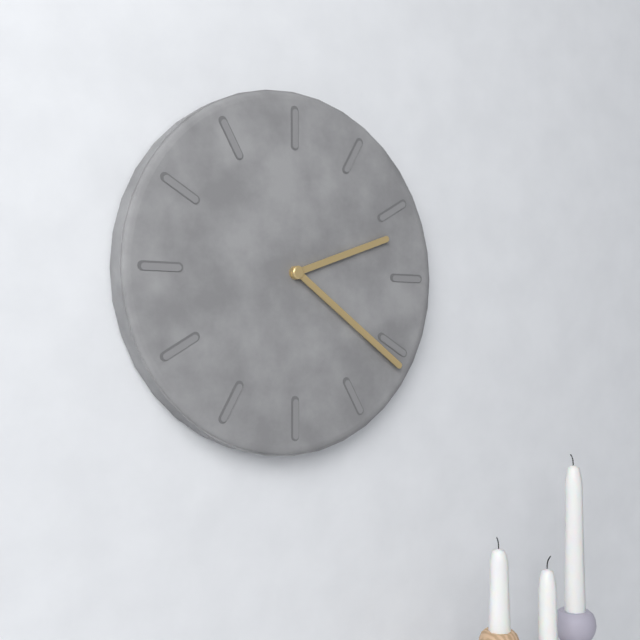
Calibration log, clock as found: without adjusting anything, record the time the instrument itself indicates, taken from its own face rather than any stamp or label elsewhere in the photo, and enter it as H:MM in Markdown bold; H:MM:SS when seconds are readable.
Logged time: **2:21**
